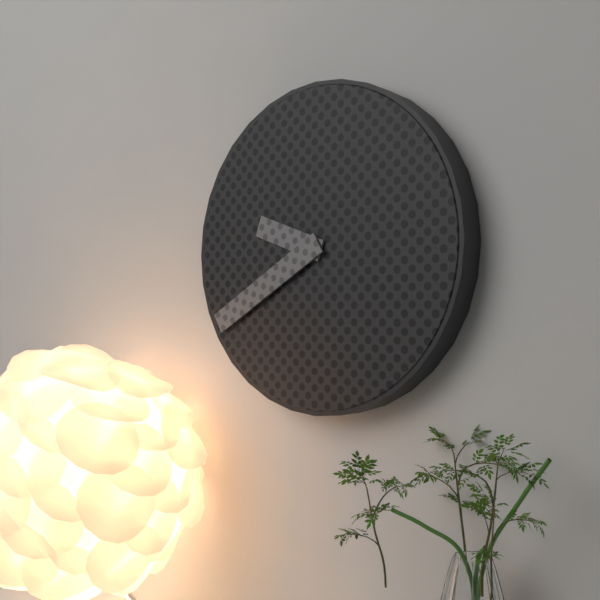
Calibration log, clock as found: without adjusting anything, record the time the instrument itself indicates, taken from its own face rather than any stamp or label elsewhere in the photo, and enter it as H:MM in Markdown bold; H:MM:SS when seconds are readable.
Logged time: **9:40**
